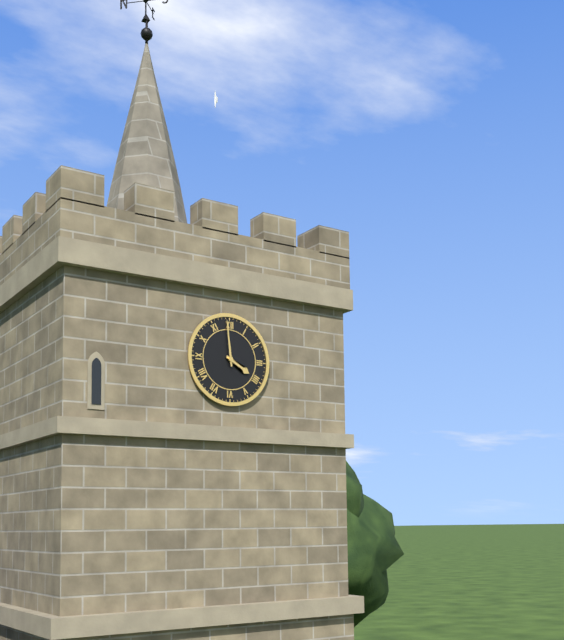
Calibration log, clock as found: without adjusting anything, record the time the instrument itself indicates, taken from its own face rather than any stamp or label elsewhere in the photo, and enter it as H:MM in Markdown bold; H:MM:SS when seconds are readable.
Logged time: **3:59**
